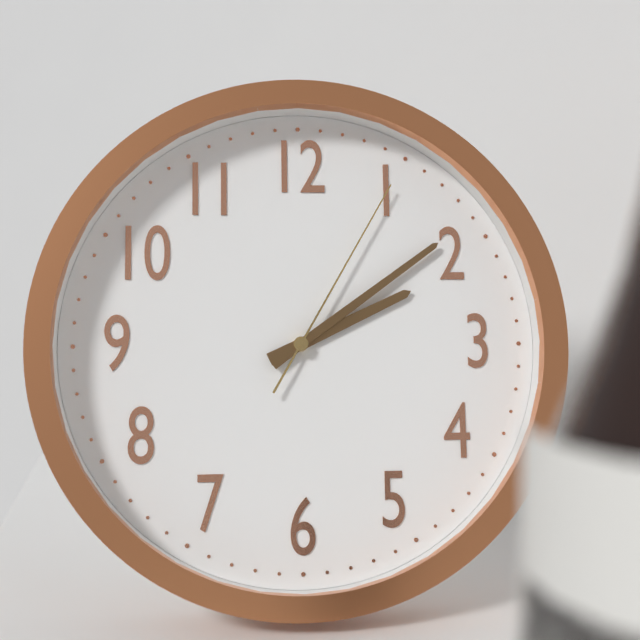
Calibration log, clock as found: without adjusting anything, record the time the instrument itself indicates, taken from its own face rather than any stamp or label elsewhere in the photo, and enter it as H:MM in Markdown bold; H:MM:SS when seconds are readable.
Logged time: **2:09:05**
